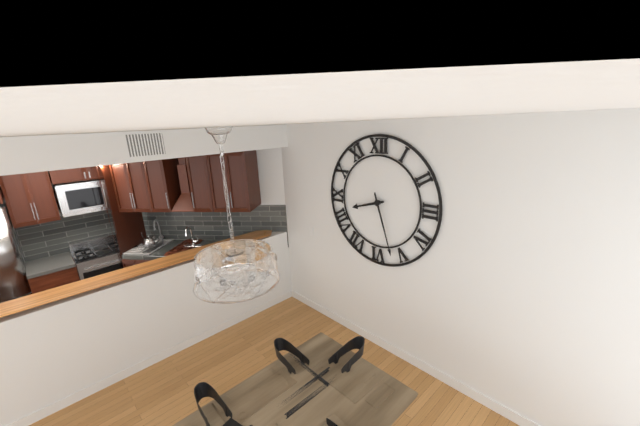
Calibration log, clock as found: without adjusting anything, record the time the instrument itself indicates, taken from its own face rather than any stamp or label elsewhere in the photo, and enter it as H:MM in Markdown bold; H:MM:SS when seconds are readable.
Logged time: **8:27**
